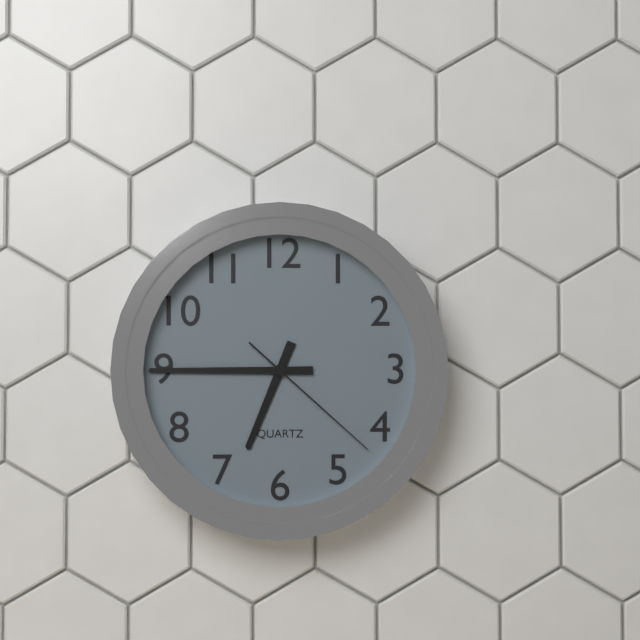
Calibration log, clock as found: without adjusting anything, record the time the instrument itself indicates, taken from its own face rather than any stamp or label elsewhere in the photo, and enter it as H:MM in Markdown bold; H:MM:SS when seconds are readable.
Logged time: **6:45:22**
